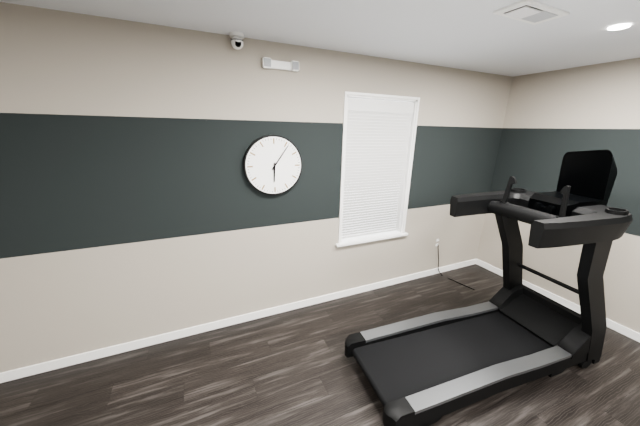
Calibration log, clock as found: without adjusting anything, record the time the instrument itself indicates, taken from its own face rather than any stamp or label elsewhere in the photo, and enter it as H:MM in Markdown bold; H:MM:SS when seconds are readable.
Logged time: **6:06**
